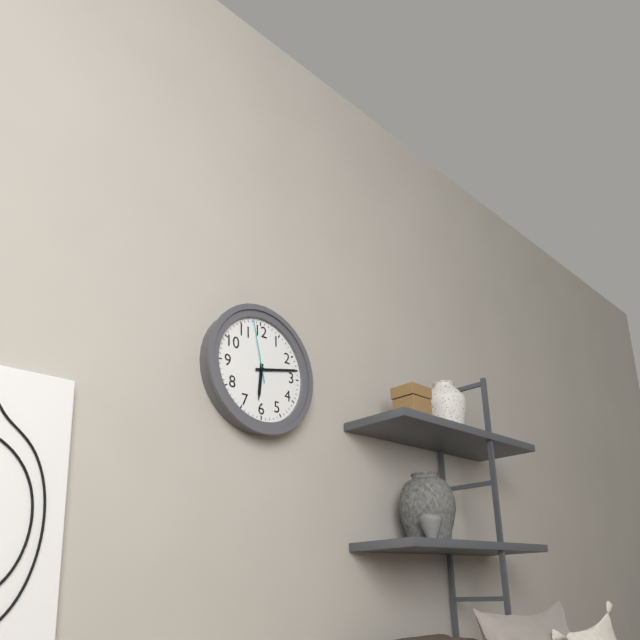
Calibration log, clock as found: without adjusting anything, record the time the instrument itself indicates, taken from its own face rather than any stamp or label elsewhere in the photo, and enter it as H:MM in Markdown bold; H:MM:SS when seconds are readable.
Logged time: **6:13:58**
